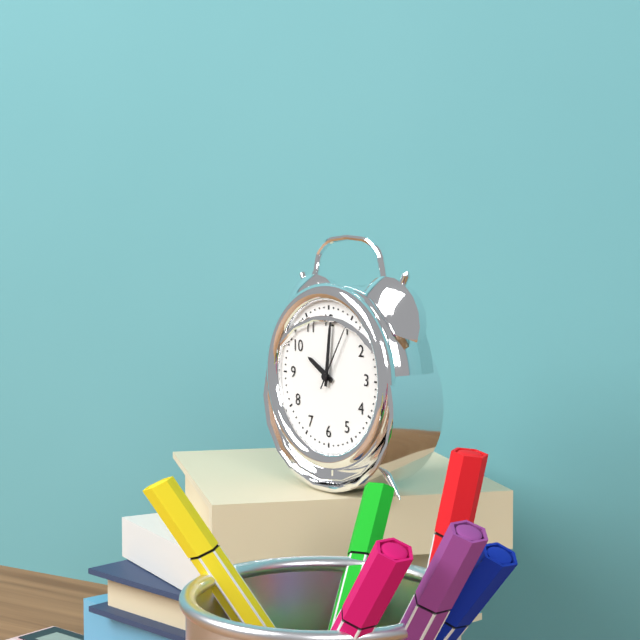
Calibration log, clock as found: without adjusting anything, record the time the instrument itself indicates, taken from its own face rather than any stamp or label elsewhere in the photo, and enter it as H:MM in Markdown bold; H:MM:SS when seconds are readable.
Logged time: **10:01:05**
